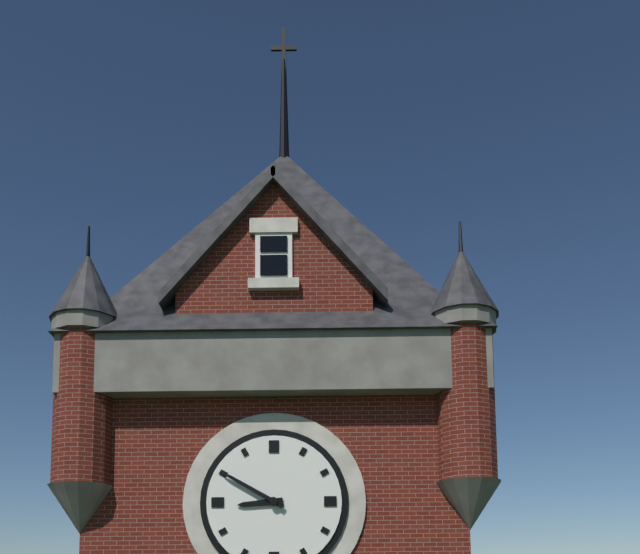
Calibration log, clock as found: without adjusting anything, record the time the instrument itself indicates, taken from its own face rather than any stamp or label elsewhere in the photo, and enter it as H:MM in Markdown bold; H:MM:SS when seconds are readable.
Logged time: **8:50**
